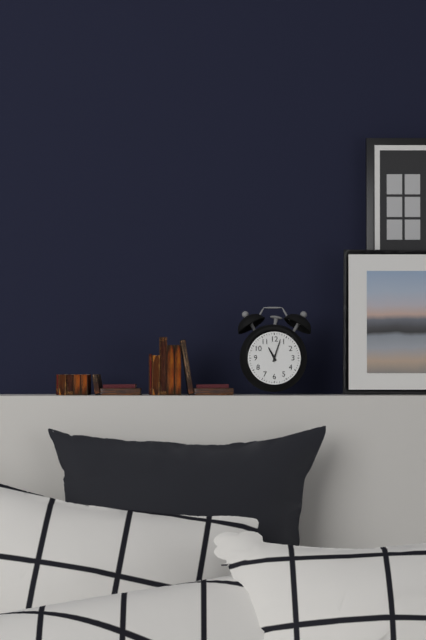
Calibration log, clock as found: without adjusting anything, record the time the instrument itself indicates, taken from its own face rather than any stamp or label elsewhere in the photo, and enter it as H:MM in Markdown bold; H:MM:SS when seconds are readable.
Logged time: **11:03**
